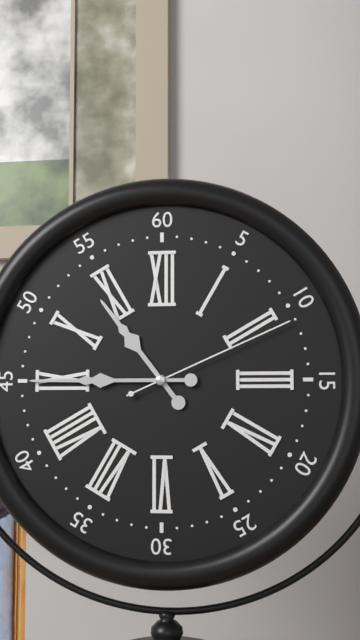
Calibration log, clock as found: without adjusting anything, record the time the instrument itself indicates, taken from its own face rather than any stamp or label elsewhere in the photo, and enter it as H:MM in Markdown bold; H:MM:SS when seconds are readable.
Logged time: **10:45:11**
